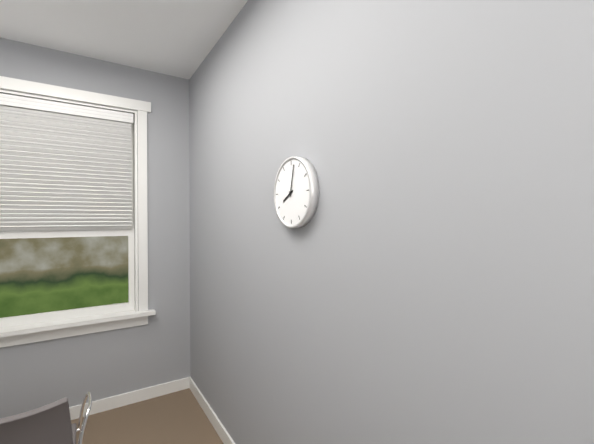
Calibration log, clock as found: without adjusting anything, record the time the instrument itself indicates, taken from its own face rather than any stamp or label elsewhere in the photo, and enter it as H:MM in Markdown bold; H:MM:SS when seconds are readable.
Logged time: **8:02**
